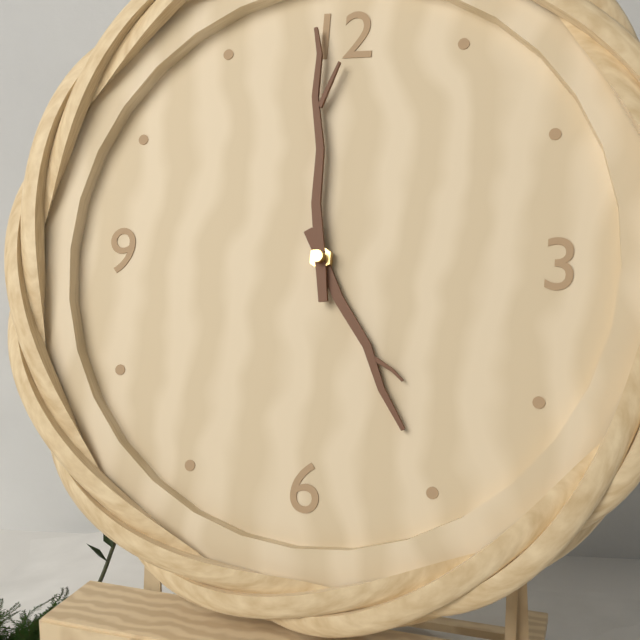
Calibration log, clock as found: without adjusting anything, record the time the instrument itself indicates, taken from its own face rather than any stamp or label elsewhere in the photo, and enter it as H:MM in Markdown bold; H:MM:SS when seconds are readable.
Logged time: **4:59**
